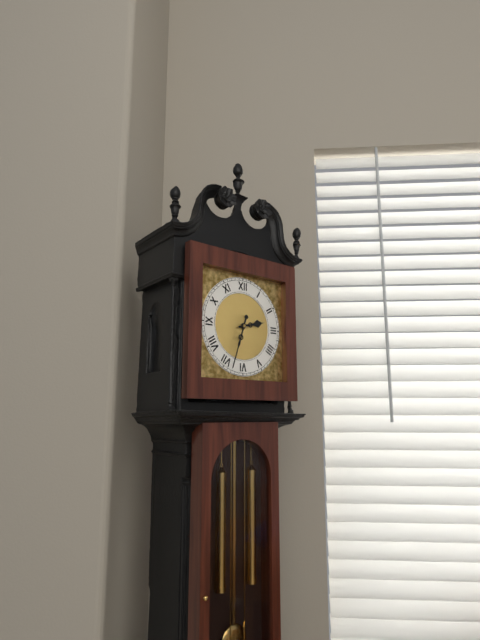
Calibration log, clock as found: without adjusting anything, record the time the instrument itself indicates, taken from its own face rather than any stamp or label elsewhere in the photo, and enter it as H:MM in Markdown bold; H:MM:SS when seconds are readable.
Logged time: **2:33**
